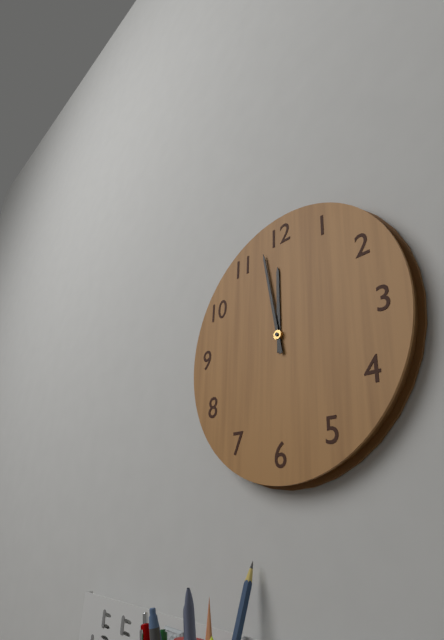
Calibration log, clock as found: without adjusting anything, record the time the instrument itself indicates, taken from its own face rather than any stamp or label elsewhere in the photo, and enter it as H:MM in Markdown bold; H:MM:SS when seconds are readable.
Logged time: **11:58**
